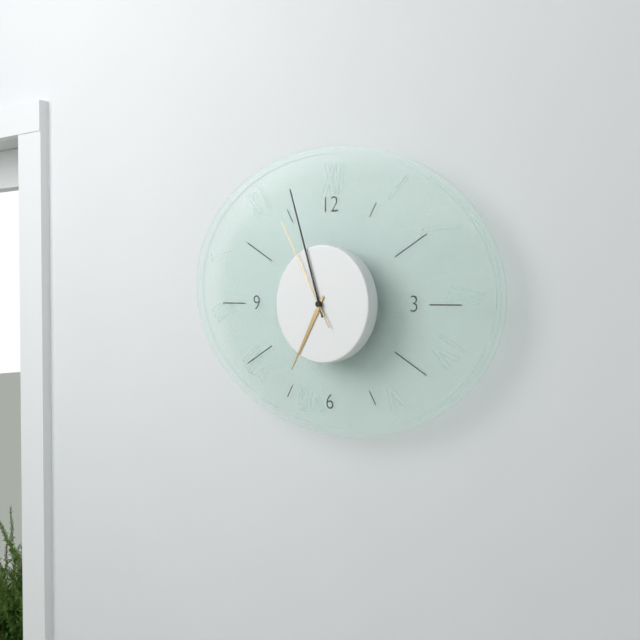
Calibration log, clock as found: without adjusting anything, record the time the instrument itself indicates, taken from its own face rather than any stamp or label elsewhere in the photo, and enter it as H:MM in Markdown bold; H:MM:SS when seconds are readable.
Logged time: **6:57:55**
